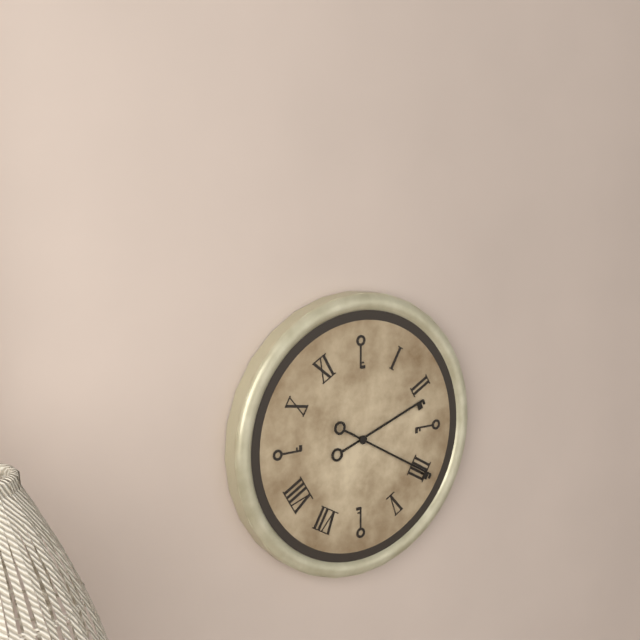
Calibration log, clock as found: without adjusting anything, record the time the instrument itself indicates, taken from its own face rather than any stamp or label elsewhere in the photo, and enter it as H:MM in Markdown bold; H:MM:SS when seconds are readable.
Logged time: **2:20**
